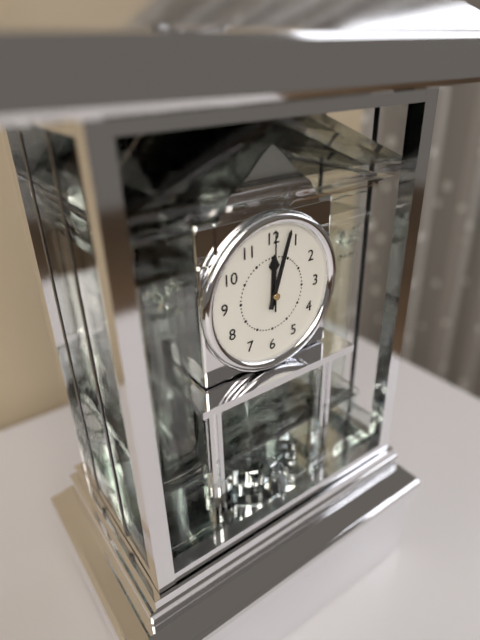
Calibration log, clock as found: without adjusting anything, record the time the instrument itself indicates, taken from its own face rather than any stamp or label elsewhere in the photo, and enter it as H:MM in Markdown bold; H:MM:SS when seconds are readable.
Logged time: **12:03:00**
